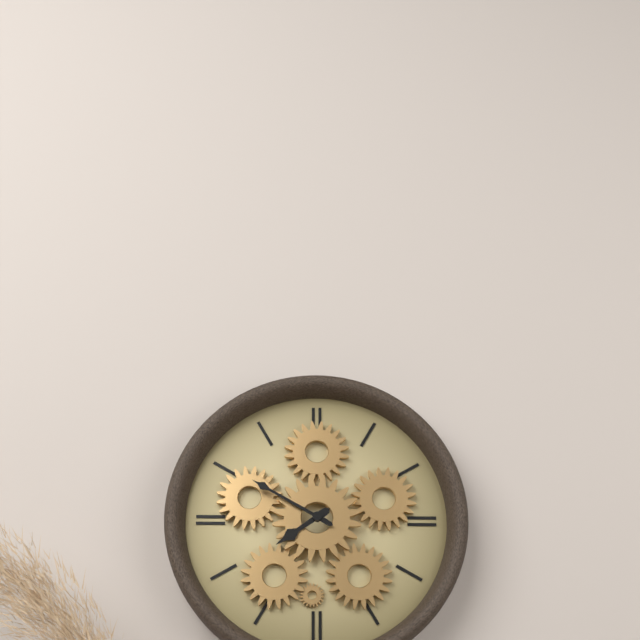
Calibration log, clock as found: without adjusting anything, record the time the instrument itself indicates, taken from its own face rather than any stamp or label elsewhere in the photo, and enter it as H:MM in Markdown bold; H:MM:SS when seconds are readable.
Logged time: **7:50**
